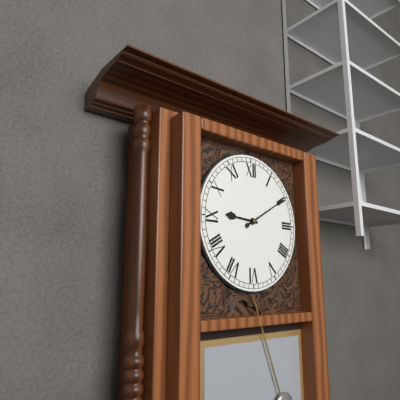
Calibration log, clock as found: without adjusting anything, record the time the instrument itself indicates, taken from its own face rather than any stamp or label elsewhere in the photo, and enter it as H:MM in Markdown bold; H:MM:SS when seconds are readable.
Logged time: **9:10**
